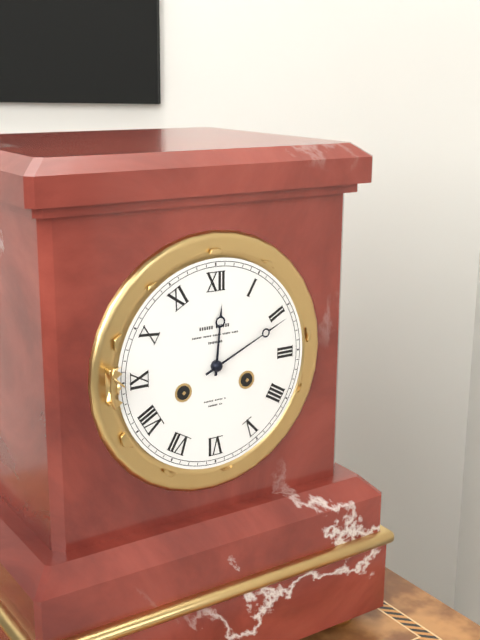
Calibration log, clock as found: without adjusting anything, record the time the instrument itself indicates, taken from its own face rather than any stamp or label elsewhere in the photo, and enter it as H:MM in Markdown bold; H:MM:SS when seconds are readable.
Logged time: **12:11**
